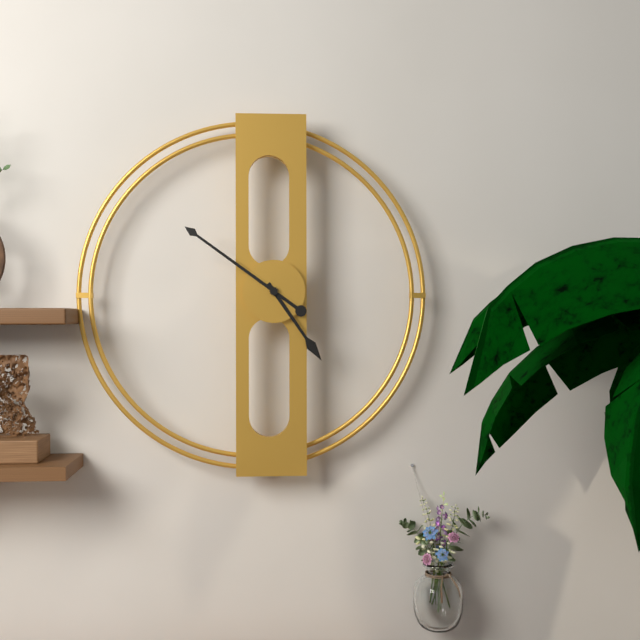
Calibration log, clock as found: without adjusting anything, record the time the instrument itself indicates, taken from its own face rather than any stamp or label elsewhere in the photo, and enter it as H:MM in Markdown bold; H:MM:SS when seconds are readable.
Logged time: **4:51**
